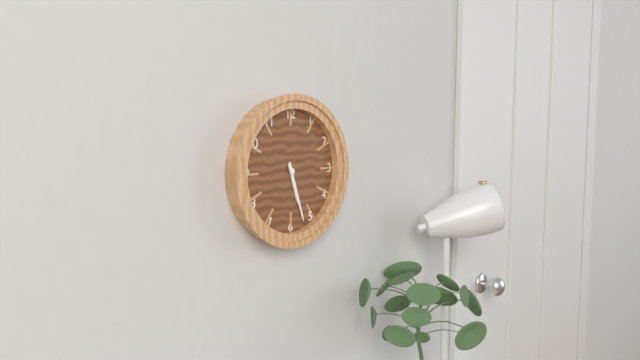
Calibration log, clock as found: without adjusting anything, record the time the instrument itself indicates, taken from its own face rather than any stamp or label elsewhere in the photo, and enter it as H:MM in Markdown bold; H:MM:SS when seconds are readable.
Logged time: **5:27**
